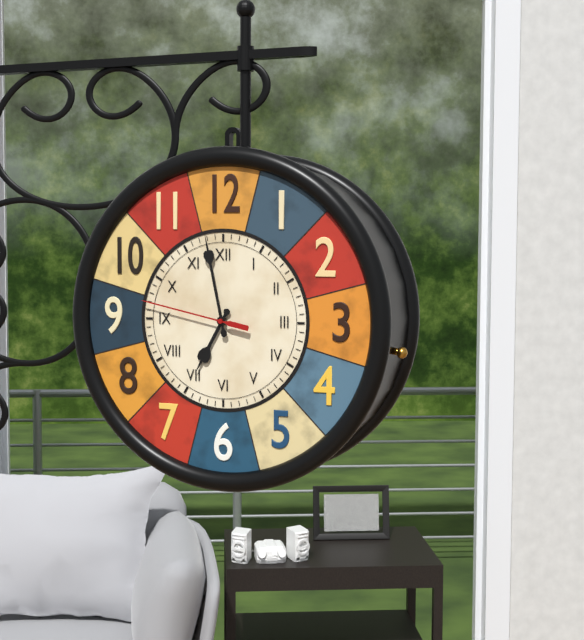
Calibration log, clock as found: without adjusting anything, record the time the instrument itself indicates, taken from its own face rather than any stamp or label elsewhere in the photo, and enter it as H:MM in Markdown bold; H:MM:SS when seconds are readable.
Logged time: **6:58:47**
